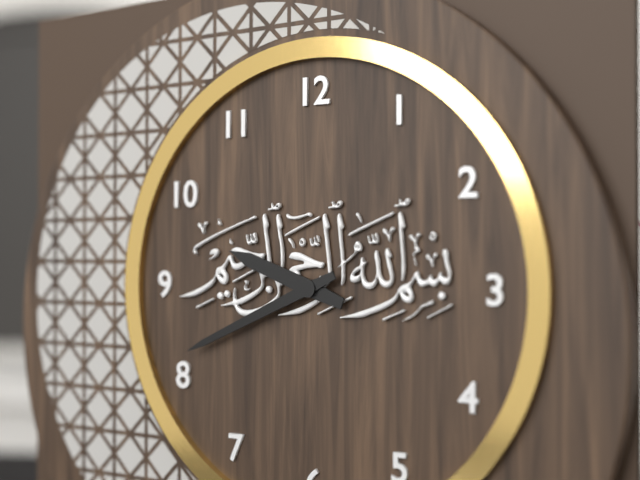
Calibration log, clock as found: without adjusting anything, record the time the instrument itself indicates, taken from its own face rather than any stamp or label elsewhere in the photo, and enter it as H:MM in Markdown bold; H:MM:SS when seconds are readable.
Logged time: **9:41**
